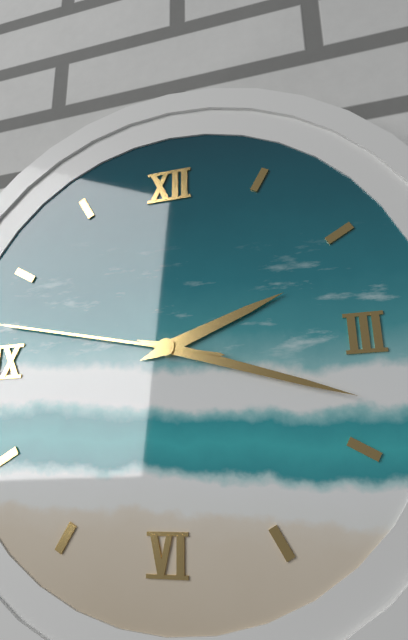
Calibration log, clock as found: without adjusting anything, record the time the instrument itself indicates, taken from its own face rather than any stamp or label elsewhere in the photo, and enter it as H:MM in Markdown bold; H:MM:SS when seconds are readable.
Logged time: **2:18**
